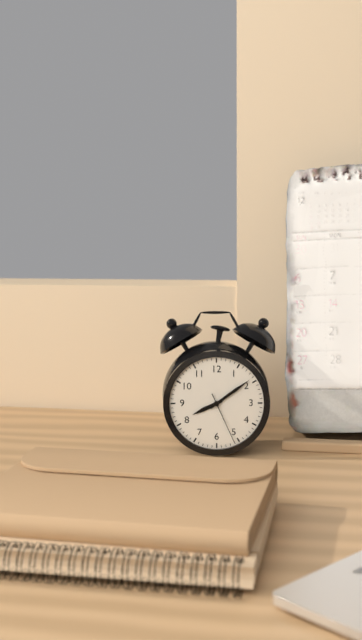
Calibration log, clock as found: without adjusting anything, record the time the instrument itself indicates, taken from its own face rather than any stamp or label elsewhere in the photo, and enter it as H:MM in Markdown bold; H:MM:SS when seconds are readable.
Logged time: **8:09:26**
